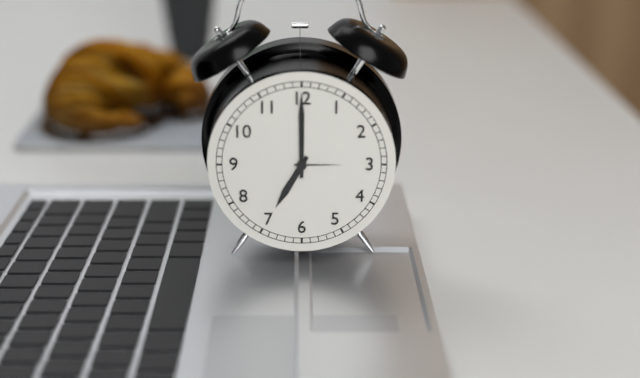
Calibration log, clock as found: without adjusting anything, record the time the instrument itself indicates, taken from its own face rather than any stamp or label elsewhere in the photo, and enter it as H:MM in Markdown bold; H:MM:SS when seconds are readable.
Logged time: **7:00**
